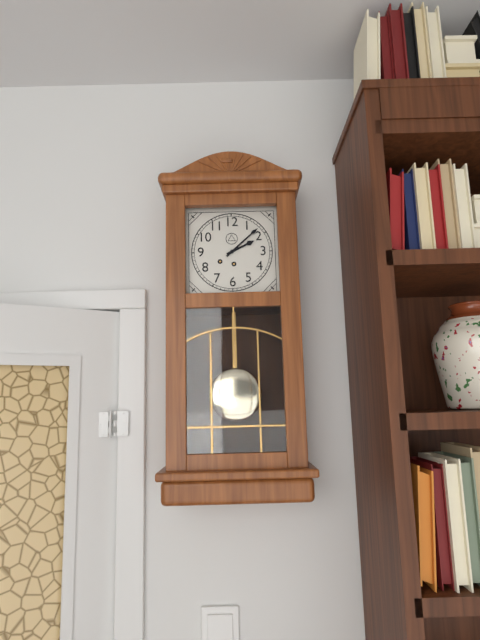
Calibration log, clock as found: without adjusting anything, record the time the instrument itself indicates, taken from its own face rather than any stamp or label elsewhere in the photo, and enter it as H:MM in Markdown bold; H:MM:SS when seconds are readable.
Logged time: **2:08**
